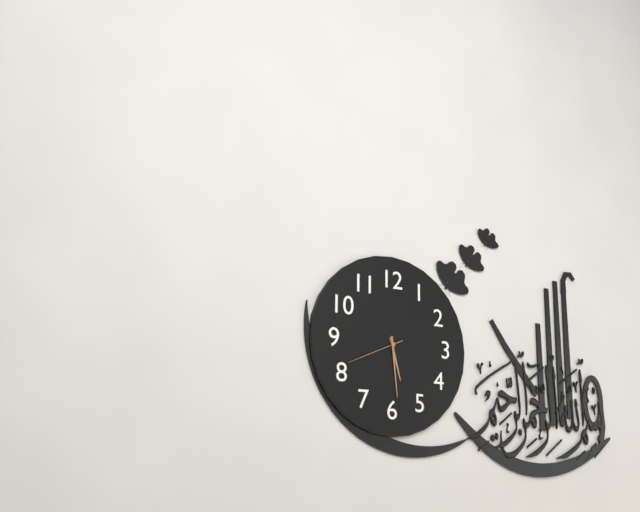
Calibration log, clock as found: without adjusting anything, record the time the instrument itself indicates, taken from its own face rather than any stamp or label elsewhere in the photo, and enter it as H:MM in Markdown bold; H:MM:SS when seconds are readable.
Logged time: **5:29:41**
